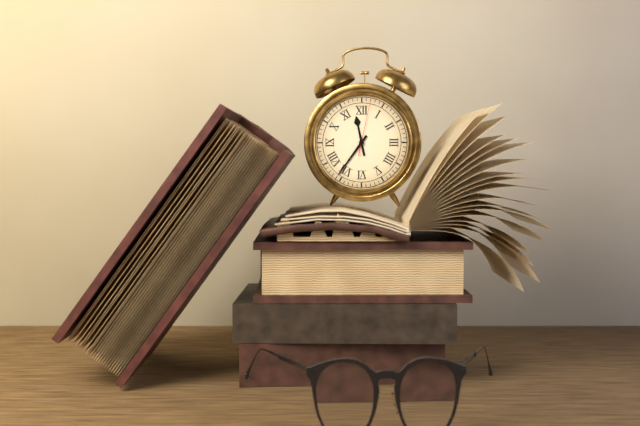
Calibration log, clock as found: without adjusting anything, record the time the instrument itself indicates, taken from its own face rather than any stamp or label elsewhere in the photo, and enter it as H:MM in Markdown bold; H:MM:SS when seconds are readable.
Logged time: **11:36:02**
